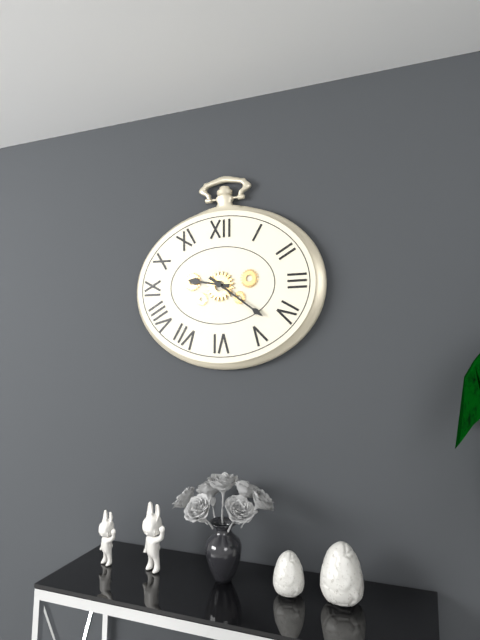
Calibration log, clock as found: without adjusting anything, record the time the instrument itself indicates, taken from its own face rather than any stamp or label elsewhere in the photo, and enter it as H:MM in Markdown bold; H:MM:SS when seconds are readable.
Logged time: **9:21**
